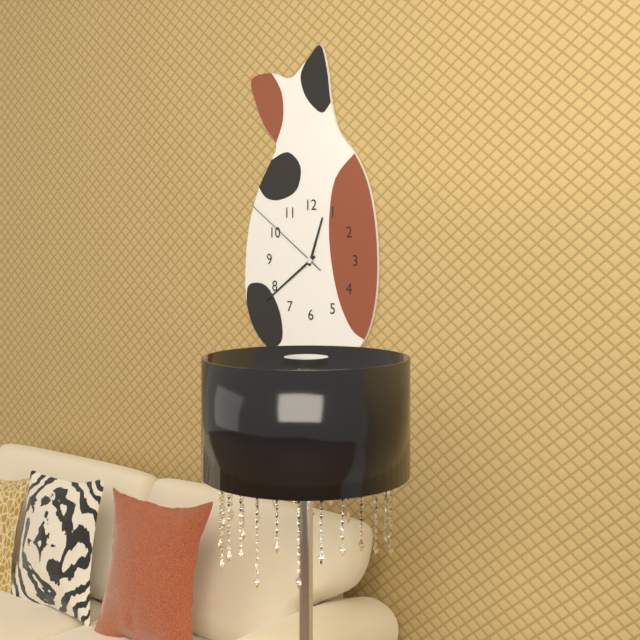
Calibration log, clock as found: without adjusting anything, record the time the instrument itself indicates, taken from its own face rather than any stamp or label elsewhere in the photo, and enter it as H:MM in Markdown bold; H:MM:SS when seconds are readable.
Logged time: **12:39:51**
